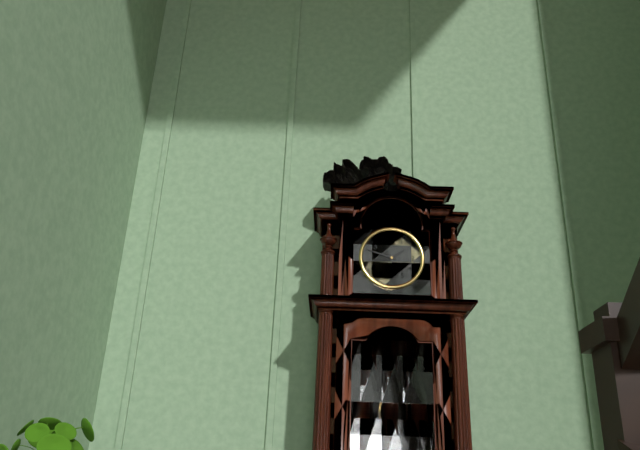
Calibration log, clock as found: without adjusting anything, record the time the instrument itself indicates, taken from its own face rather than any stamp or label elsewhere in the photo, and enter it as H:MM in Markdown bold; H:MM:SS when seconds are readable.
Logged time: **1:48**
